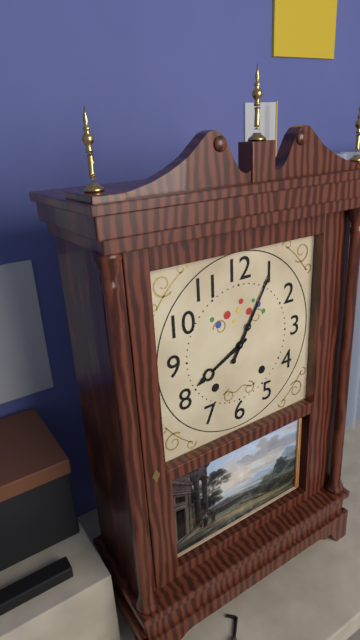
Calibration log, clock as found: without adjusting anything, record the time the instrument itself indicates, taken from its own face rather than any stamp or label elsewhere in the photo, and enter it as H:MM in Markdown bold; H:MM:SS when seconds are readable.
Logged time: **8:05**
